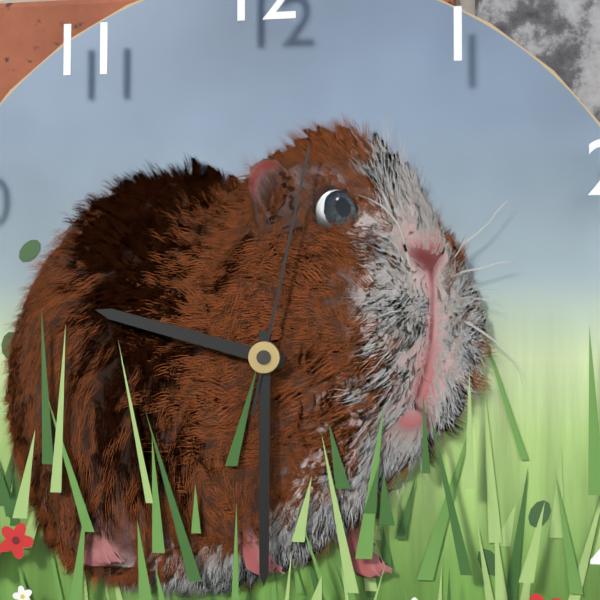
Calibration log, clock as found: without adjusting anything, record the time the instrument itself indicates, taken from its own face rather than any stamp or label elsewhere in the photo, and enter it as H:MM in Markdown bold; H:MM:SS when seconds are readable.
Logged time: **9:30:02**
